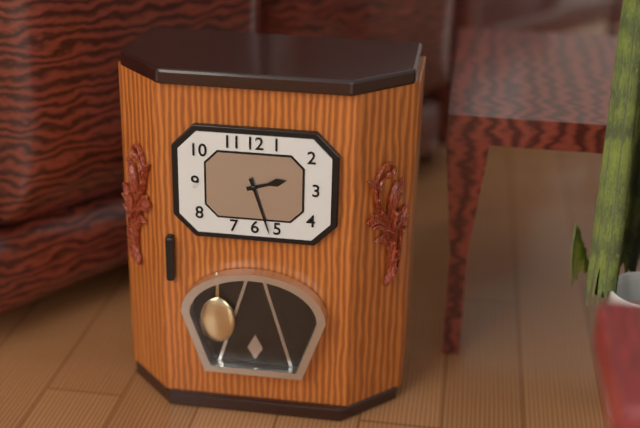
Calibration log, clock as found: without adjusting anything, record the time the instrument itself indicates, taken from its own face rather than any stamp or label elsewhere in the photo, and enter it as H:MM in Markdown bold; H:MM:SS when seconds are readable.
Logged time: **2:27**
